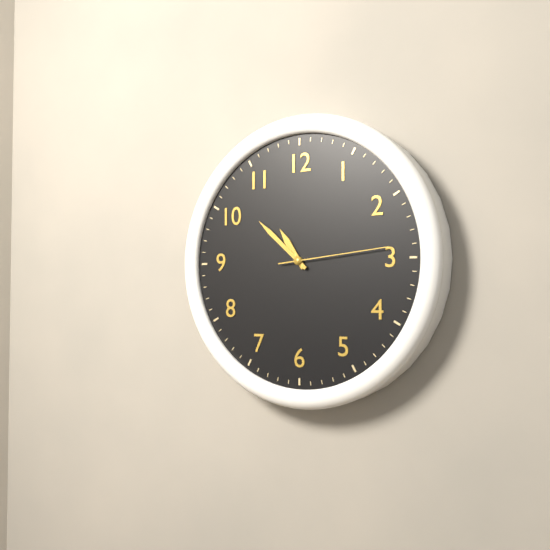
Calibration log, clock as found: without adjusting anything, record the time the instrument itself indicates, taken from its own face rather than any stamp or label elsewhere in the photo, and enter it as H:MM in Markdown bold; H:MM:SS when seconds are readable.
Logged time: **10:52:14**
